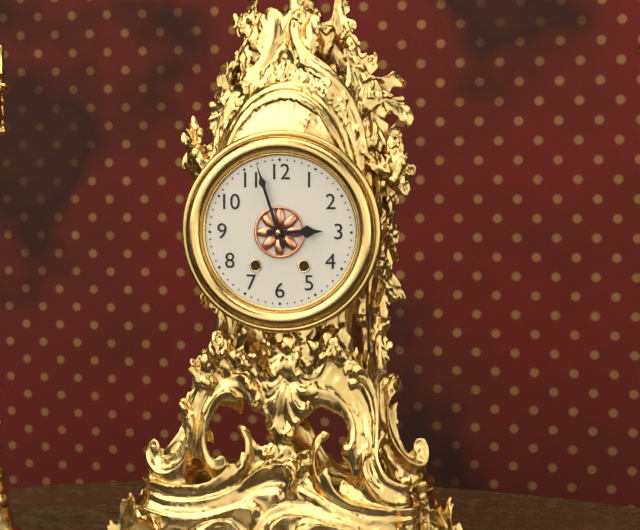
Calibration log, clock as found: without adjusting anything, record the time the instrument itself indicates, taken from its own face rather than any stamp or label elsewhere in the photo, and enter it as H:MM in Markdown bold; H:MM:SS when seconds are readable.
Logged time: **2:57**
